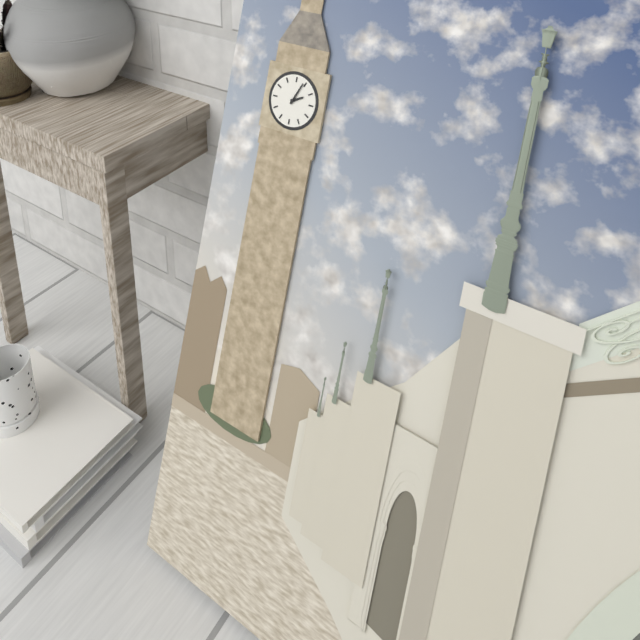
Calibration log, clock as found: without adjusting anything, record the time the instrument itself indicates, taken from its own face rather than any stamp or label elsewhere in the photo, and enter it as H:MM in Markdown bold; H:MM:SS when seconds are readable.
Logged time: **2:04**
